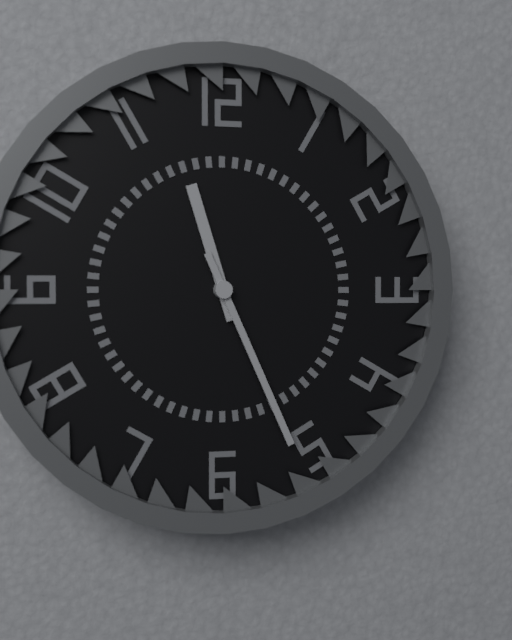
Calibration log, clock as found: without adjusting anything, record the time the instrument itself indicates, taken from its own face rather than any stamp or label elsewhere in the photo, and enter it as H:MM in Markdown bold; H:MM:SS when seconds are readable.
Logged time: **11:26**
